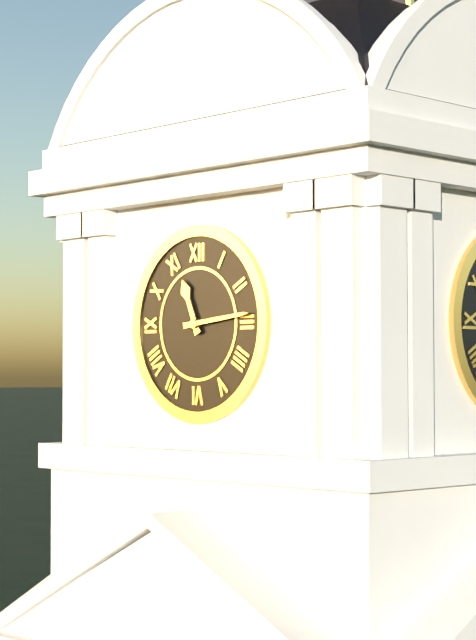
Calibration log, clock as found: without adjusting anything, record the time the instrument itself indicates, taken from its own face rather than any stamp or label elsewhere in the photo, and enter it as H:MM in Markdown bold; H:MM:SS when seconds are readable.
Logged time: **11:14**
